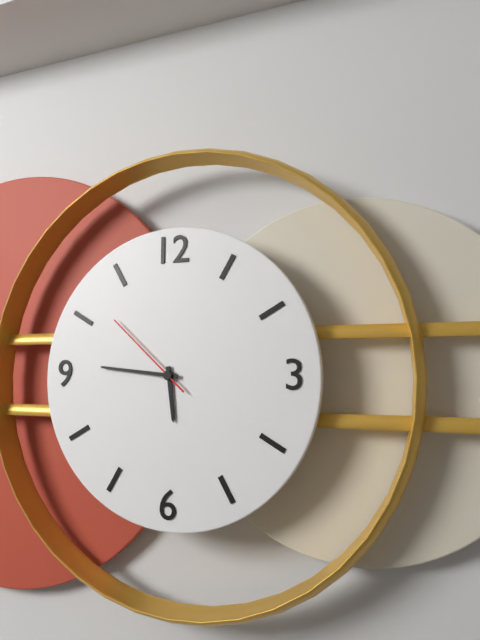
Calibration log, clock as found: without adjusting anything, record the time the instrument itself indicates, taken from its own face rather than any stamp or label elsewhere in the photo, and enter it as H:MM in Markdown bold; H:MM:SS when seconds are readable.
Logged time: **5:46:52**
